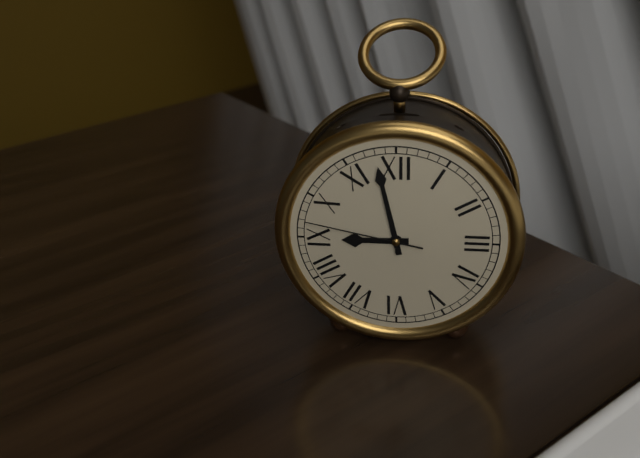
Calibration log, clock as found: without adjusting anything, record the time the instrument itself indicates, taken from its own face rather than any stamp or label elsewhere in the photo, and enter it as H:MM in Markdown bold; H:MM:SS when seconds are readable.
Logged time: **8:58:47**
